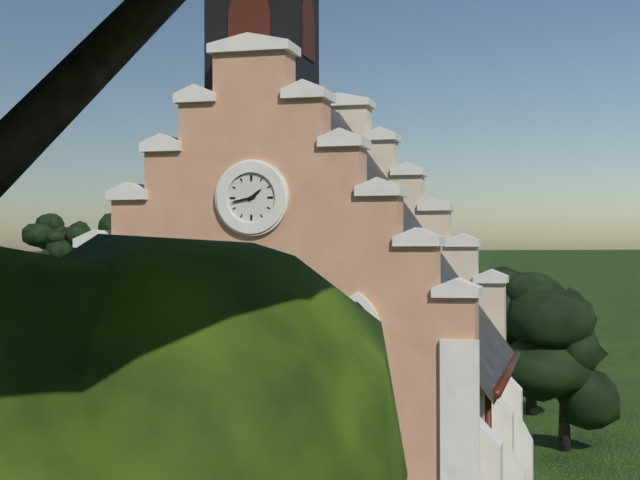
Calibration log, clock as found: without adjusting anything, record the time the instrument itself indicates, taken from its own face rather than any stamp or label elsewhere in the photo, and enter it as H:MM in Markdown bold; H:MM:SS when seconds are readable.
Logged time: **1:43**
